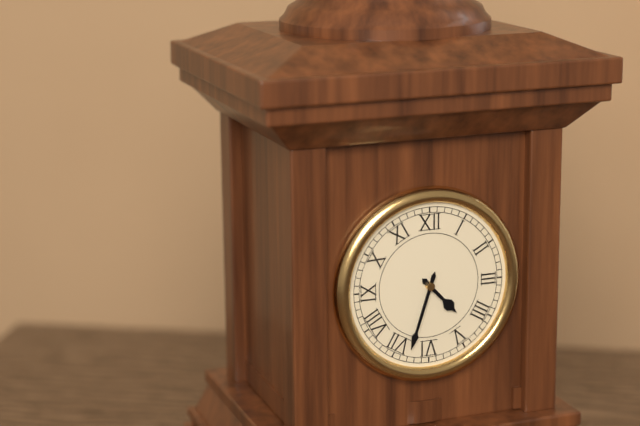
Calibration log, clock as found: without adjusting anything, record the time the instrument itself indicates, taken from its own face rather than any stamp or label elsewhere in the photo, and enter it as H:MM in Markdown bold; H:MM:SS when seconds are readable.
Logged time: **4:33**
